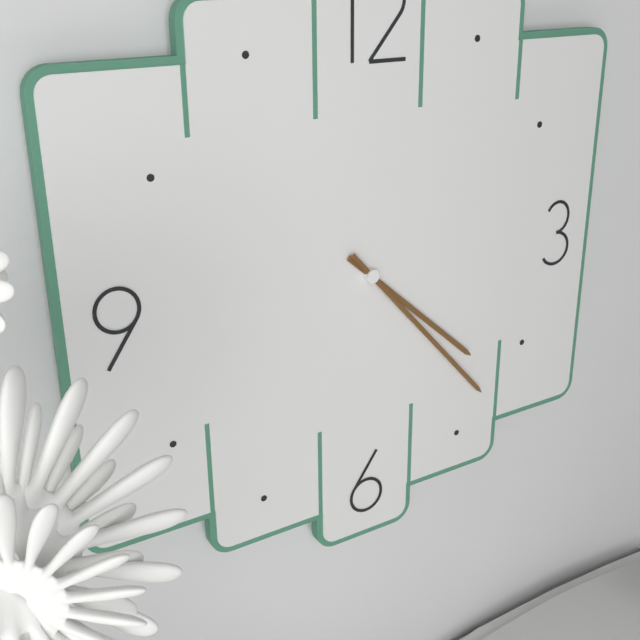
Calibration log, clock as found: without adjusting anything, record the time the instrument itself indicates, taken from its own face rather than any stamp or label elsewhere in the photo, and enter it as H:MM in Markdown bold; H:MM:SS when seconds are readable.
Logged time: **4:23**
